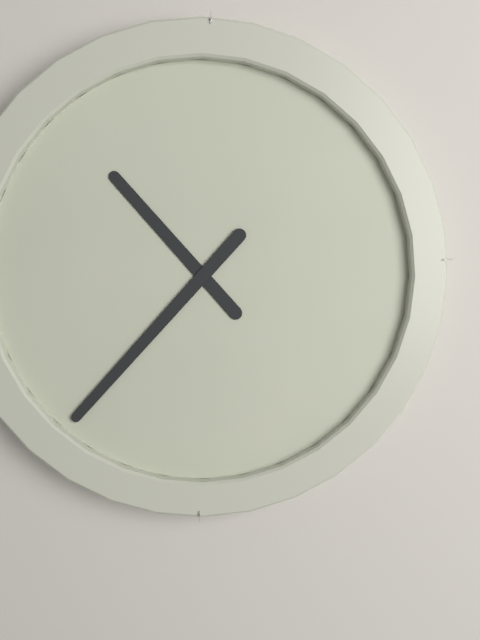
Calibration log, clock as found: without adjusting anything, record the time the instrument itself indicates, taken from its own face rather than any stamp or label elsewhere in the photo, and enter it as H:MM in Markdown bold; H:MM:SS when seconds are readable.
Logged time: **10:37**
